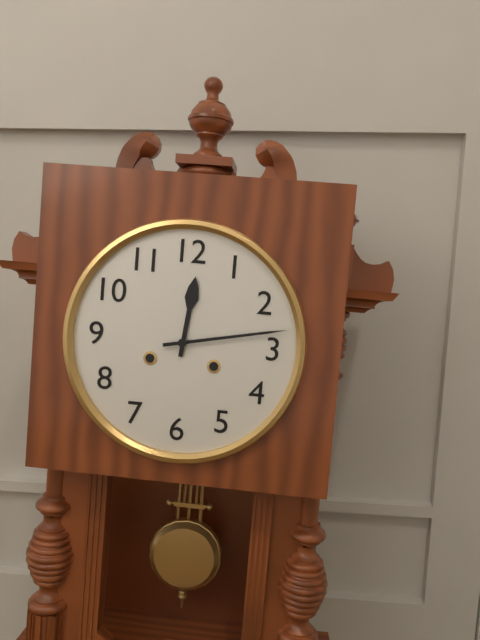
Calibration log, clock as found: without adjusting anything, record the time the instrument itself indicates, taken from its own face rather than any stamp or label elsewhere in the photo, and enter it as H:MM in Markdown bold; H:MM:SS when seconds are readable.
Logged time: **12:13**
